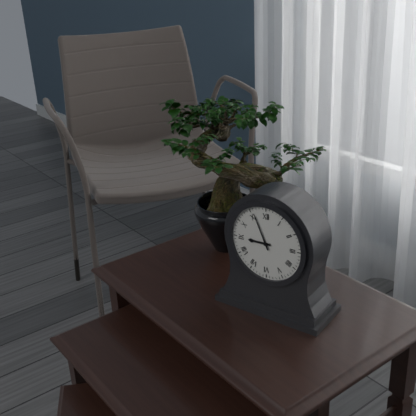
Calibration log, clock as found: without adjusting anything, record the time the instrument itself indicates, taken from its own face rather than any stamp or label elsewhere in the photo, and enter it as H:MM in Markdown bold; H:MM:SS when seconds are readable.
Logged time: **8:56**
